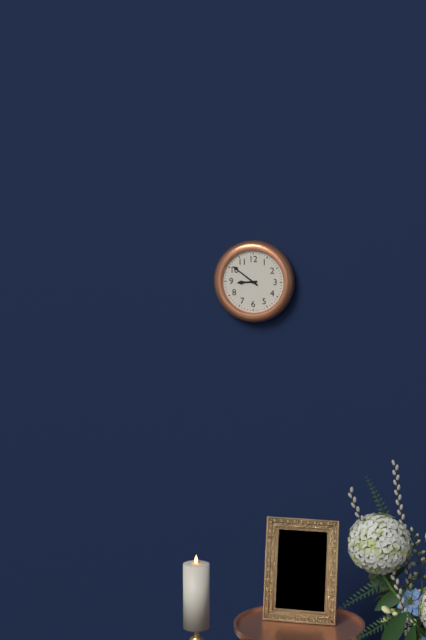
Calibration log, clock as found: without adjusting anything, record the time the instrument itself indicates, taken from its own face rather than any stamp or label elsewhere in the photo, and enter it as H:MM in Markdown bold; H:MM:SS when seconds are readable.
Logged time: **8:51**
